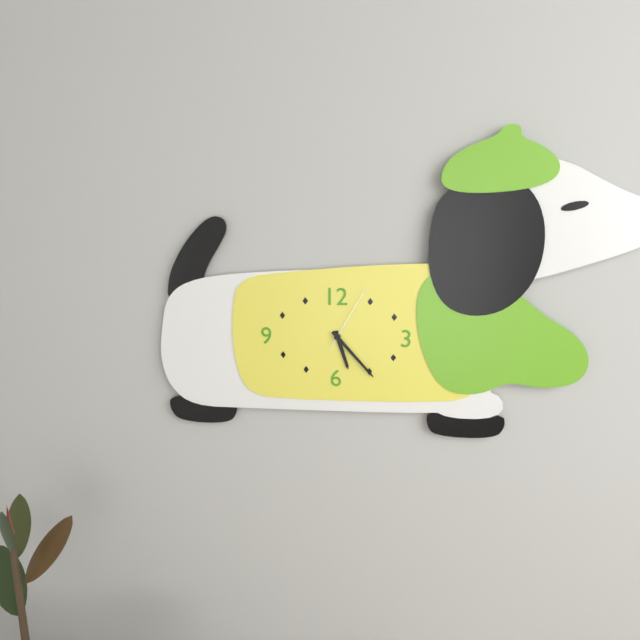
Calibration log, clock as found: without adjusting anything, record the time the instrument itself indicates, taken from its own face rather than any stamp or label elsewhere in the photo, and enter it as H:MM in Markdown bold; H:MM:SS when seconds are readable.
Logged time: **5:23:05**
